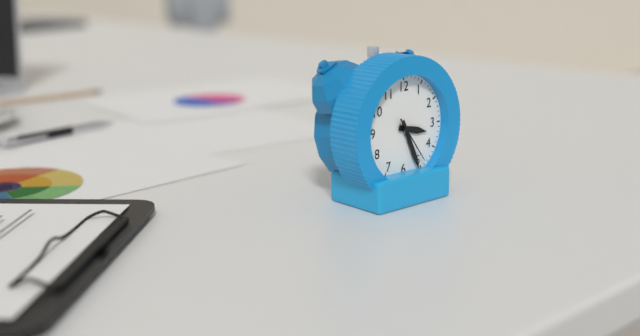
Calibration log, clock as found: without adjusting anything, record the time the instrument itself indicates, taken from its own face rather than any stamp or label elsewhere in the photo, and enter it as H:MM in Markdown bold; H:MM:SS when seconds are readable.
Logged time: **3:26**
